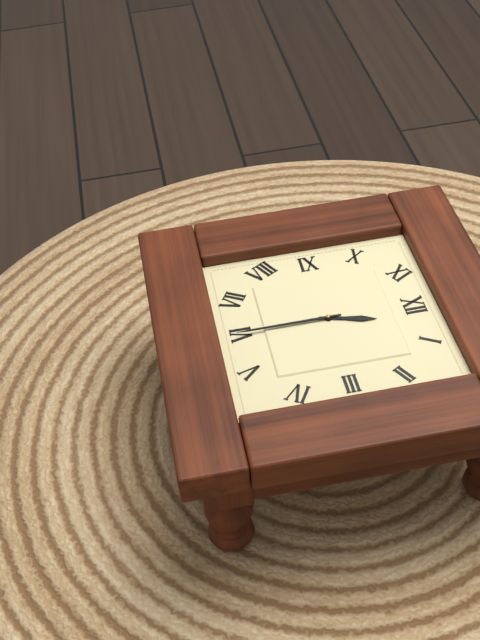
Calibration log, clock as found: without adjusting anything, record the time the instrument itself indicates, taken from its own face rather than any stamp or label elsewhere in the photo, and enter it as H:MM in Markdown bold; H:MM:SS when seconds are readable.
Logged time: **12:30**
